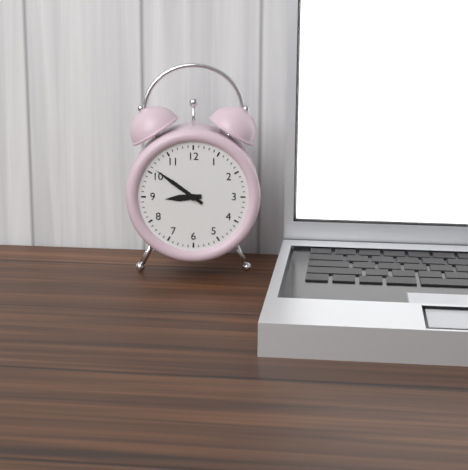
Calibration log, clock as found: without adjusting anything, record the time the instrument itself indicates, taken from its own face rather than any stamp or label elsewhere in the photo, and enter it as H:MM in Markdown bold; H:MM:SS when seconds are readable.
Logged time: **8:51**
